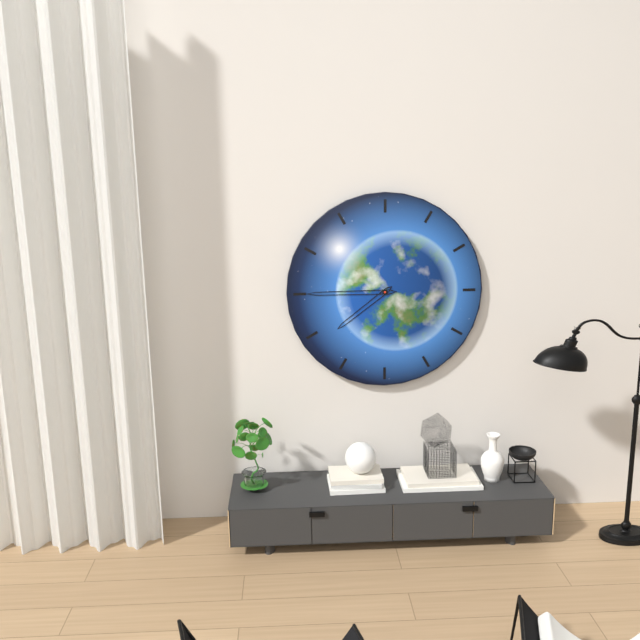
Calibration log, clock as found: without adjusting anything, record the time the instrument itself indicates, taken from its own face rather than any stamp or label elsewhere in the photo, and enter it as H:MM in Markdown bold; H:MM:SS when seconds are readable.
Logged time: **7:45**
